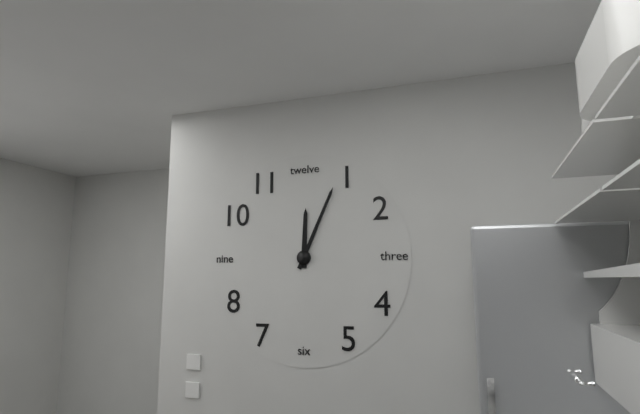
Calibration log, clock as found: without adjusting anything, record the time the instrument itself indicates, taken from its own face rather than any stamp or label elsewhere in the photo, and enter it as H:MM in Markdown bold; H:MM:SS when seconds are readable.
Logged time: **12:04**
